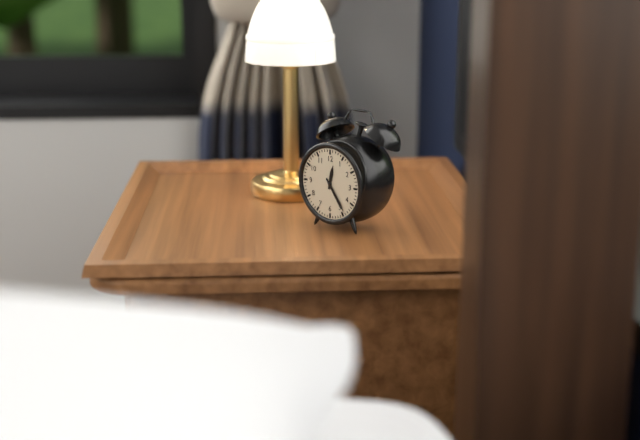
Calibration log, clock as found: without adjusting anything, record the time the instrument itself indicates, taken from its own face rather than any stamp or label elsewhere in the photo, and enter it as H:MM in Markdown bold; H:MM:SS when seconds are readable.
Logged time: **12:24**
